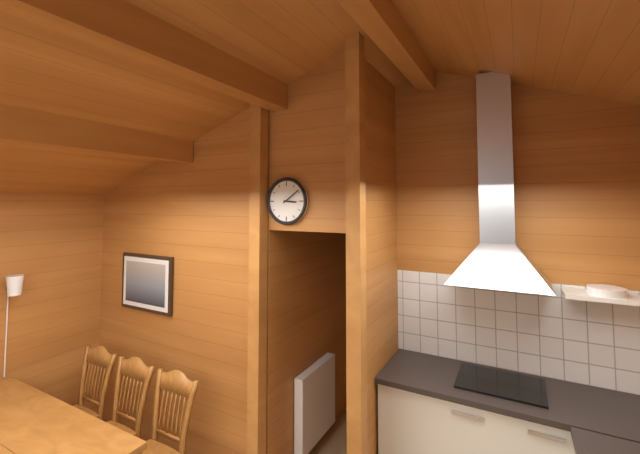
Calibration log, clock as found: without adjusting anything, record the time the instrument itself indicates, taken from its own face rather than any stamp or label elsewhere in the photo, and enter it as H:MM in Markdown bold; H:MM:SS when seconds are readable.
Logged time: **3:09**
